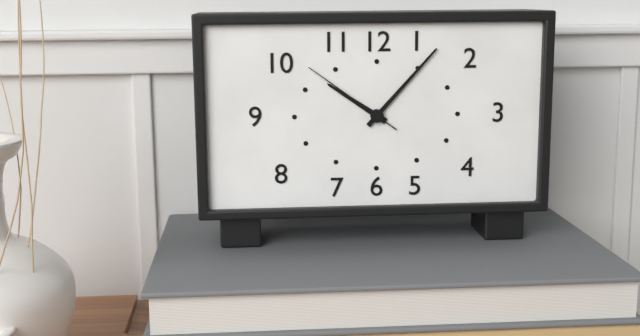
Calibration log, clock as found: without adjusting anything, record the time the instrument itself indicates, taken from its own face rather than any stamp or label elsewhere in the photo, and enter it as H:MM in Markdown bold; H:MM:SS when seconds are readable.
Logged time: **10:07:51**
